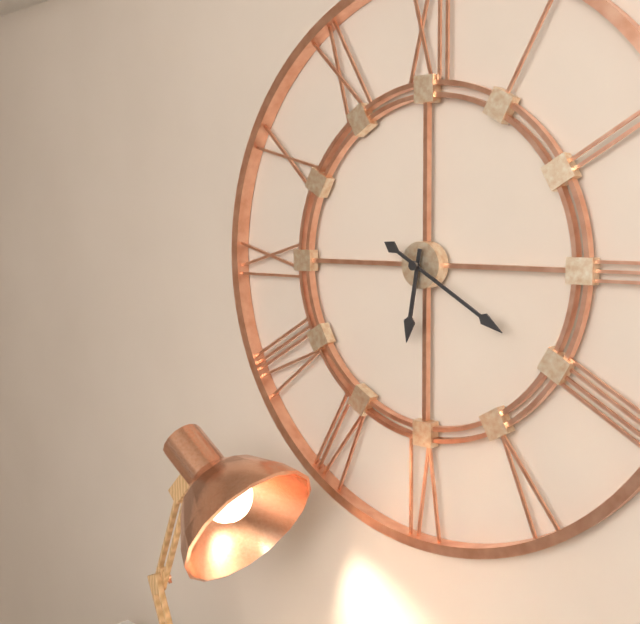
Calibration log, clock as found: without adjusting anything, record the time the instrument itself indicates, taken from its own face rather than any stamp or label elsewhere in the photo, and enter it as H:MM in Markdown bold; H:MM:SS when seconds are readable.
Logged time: **6:20**
